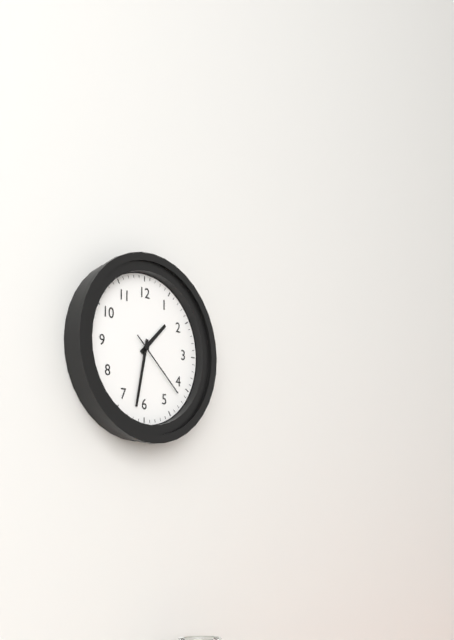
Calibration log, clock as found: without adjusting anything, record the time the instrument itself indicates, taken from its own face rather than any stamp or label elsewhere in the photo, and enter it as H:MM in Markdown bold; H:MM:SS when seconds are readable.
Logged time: **1:32:22**
